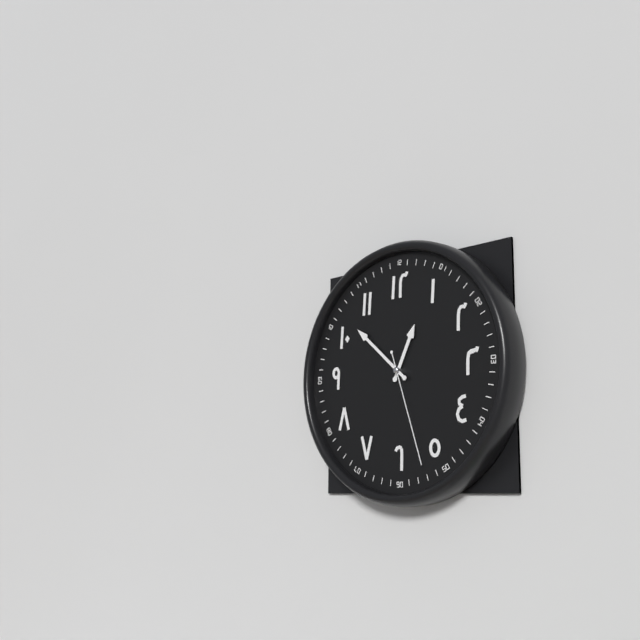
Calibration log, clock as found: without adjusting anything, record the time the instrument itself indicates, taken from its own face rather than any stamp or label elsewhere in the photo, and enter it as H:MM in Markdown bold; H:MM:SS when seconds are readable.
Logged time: **12:52:27**
